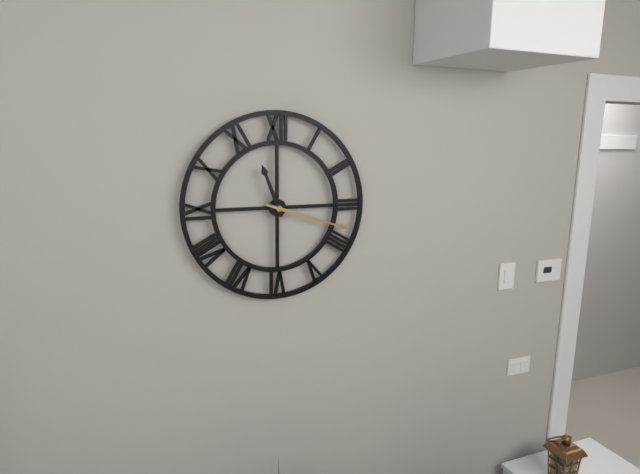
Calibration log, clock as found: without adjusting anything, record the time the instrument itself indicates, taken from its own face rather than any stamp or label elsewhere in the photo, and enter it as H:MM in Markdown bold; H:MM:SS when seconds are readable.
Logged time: **11:18**
